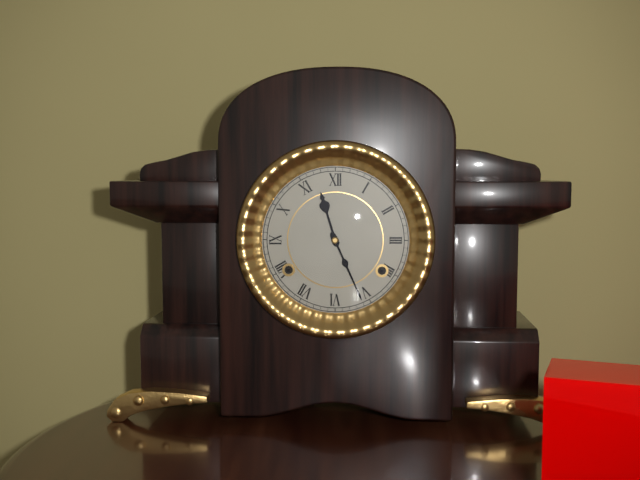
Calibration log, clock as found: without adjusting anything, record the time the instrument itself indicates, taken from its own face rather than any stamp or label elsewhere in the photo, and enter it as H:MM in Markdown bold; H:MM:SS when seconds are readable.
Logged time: **11:26**
